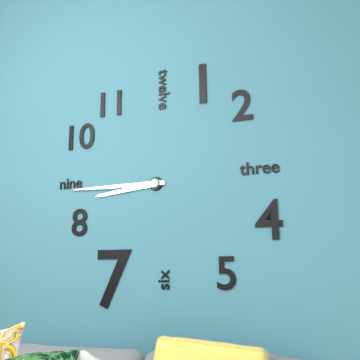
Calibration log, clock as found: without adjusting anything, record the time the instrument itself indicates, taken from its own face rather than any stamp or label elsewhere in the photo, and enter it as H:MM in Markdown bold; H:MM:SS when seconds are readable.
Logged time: **8:45**
